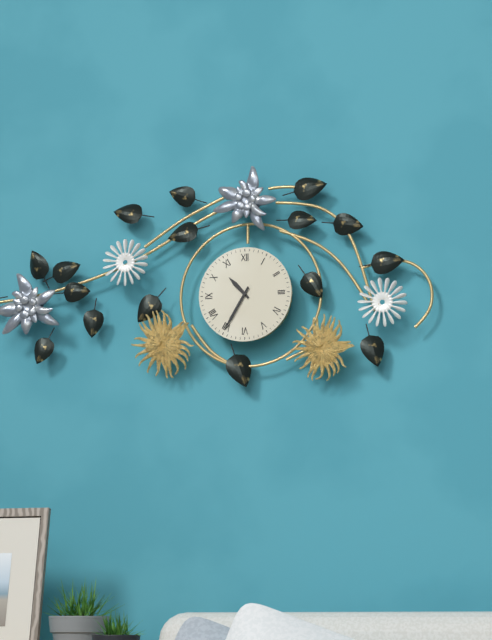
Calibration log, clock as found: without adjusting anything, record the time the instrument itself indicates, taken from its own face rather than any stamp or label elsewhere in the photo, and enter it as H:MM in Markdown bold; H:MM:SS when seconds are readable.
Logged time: **10:35**
